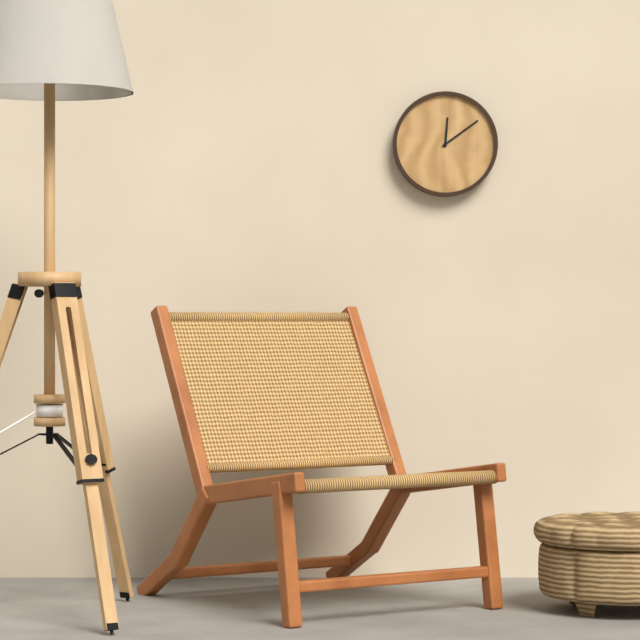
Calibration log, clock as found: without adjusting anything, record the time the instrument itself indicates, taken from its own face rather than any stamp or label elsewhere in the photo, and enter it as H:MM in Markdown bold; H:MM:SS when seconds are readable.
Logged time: **12:09**
